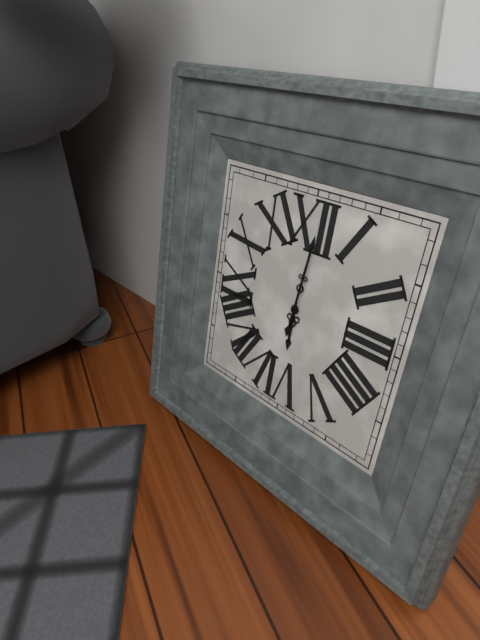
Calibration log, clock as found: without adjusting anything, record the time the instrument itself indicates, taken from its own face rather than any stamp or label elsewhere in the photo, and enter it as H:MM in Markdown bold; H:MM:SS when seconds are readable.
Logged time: **6:01**
